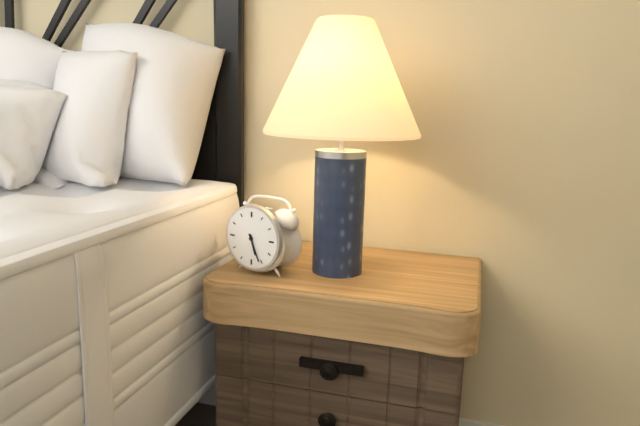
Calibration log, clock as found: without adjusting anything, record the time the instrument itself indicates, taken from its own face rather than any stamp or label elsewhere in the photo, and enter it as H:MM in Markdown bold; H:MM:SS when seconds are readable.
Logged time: **5:26**
